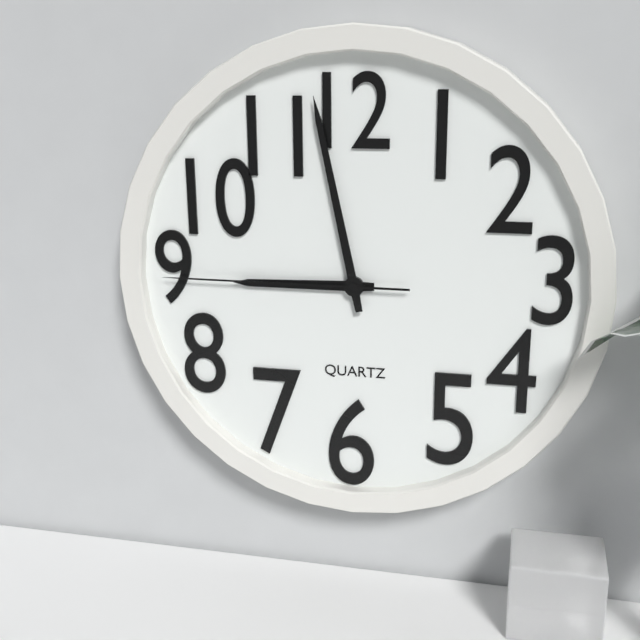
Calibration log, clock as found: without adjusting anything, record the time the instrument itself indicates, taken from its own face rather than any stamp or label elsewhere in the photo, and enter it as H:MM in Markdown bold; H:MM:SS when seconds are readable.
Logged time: **8:58:45**
